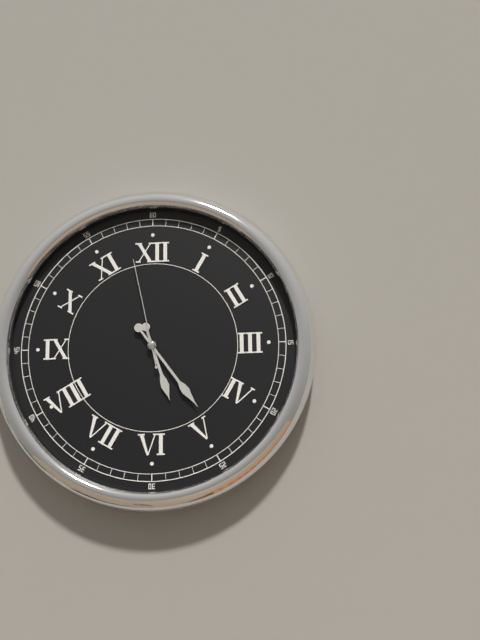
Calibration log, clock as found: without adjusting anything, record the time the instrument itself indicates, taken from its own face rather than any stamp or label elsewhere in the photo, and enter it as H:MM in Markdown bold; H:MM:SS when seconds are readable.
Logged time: **5:24:58**
